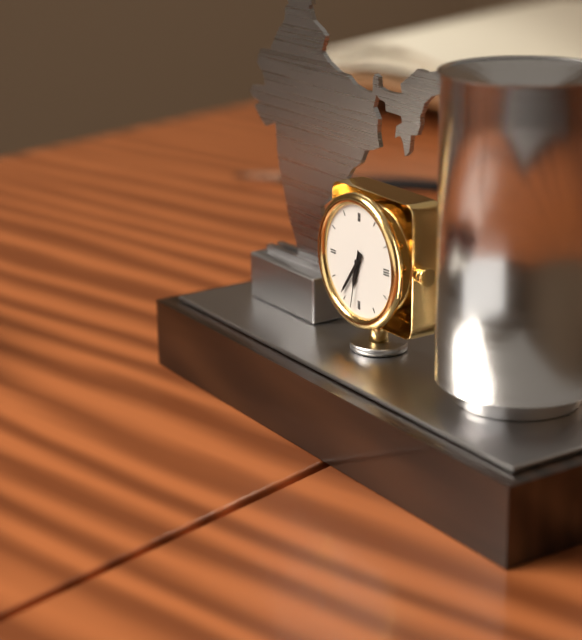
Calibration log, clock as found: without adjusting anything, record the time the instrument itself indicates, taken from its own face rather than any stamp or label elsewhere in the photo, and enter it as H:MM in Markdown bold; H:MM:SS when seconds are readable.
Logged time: **6:36:32**
